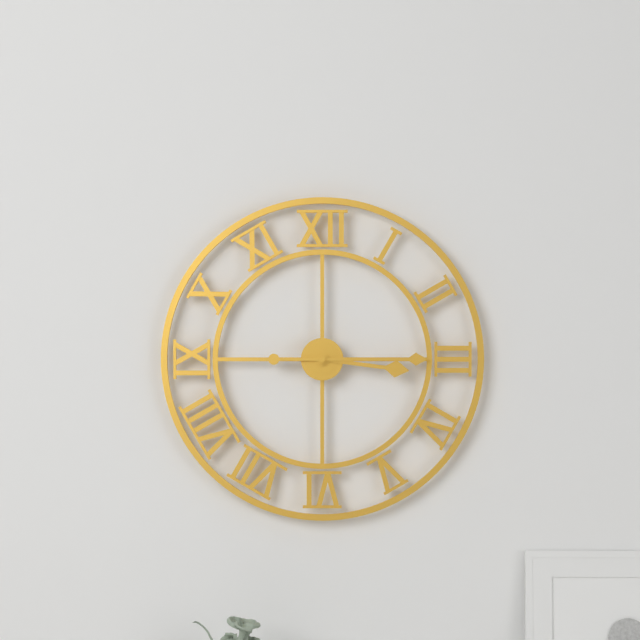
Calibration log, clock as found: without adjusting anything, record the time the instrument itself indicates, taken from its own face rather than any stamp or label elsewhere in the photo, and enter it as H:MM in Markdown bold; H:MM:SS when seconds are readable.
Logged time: **3:15**
